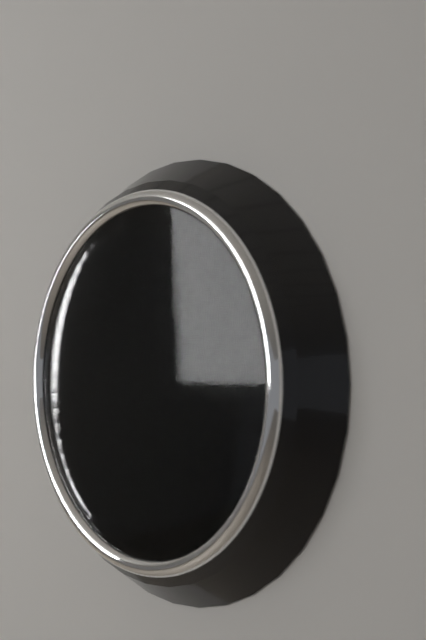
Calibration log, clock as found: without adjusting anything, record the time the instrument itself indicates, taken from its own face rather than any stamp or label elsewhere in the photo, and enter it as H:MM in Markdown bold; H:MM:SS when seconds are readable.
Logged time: **11:42**
